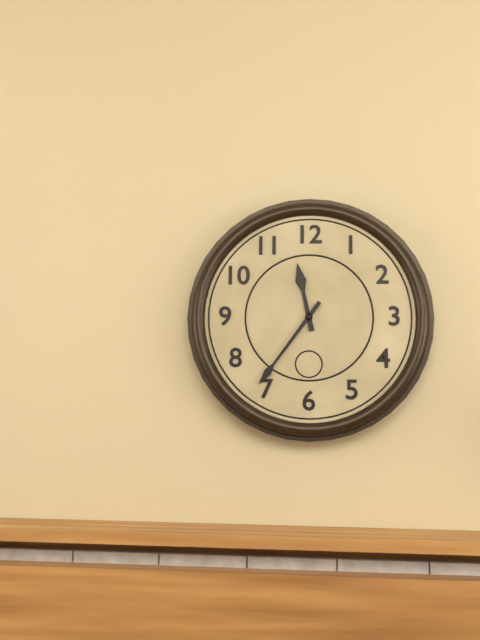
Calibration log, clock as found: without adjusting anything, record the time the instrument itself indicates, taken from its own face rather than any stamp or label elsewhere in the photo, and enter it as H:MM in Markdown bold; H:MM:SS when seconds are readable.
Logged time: **11:36**
